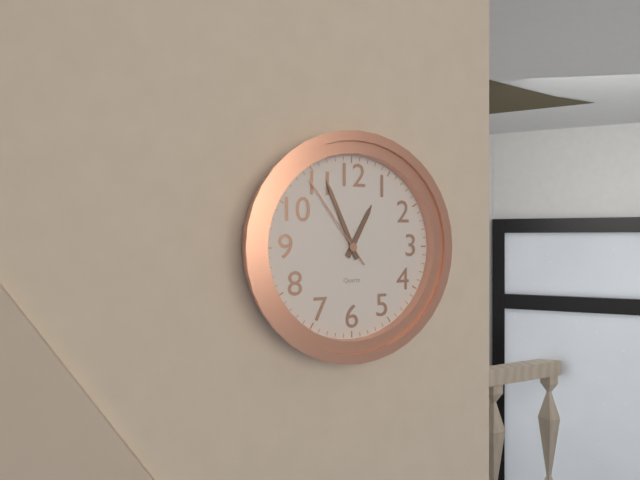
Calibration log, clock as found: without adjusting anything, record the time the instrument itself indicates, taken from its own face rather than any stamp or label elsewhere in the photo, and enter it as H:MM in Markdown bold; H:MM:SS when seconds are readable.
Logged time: **12:56:54**
